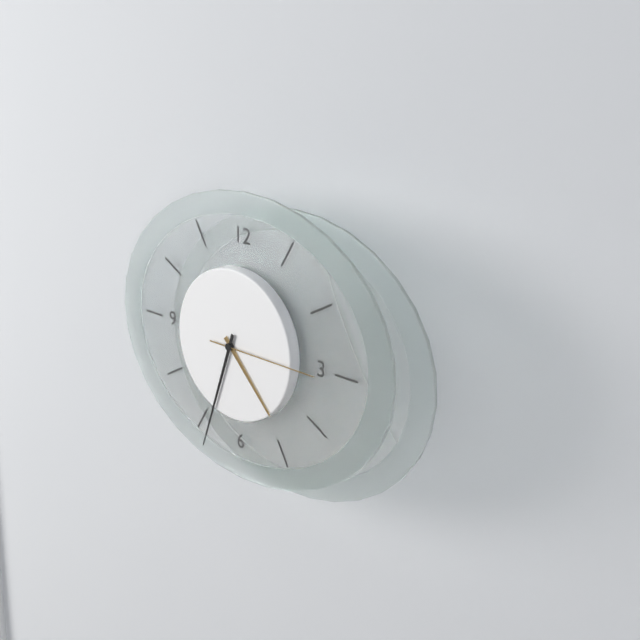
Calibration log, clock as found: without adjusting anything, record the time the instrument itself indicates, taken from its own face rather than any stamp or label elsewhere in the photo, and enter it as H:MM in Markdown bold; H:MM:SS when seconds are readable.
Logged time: **4:33:15**
